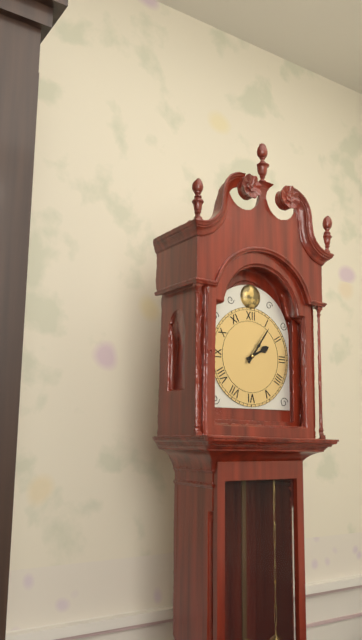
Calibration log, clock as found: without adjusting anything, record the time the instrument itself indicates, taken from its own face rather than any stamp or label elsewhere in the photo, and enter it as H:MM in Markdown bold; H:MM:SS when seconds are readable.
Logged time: **2:06**
